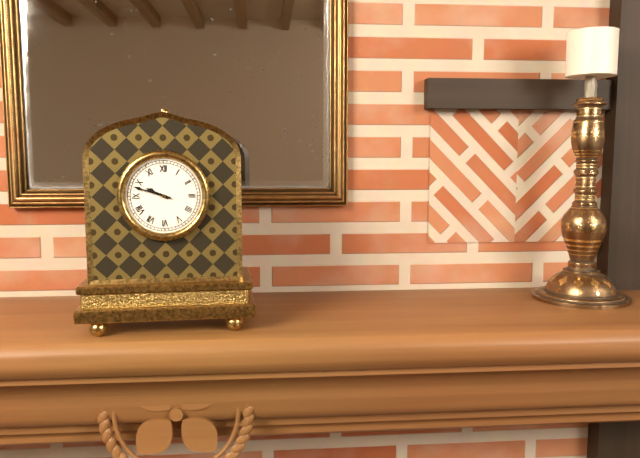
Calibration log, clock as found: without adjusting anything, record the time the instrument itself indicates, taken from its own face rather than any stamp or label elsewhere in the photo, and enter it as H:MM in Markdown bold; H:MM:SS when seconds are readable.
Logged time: **9:48**
